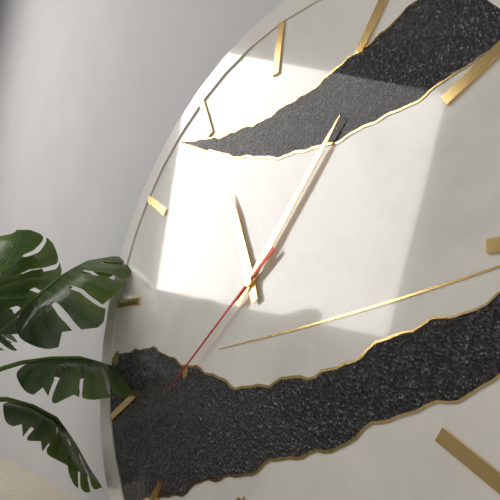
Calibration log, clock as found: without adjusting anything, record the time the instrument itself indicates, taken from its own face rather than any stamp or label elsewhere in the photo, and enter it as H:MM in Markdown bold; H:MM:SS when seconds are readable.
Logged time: **11:06:38**
